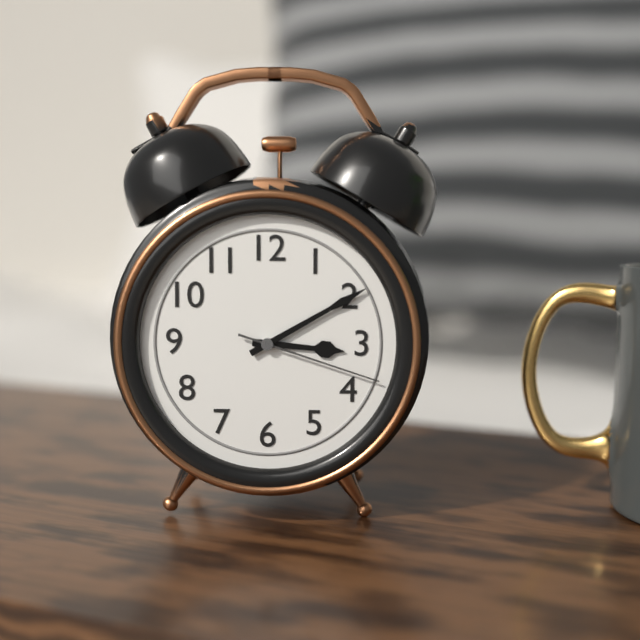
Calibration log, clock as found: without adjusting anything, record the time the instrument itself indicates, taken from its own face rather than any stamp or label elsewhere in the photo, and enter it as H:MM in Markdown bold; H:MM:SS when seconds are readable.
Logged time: **3:10:18**
